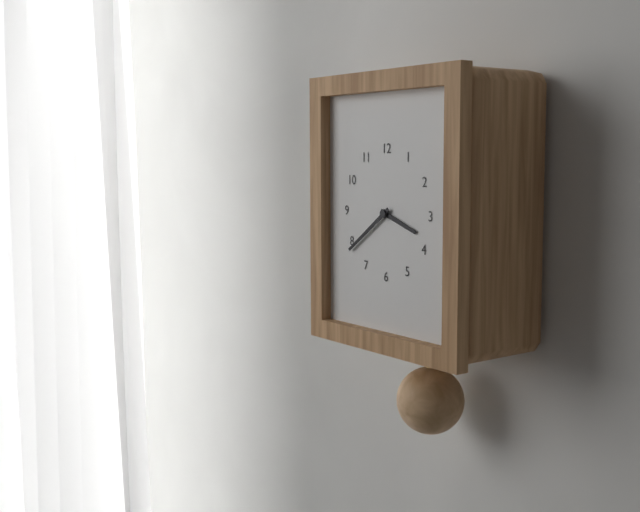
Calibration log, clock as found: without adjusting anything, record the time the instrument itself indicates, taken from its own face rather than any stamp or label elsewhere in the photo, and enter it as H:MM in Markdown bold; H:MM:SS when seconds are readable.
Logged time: **3:39**
